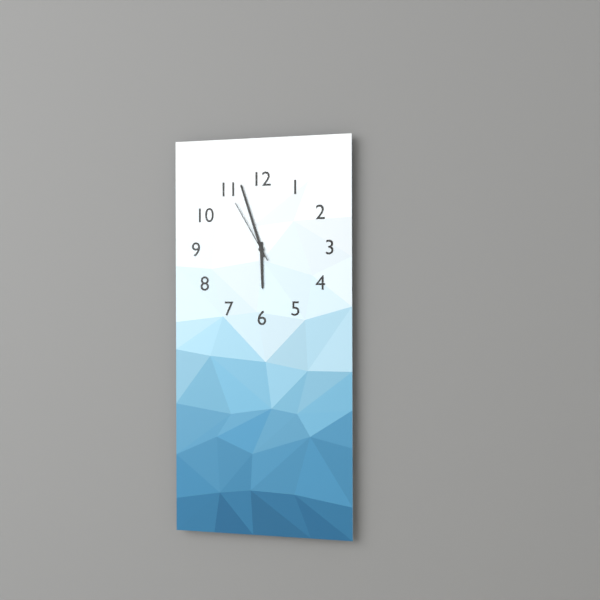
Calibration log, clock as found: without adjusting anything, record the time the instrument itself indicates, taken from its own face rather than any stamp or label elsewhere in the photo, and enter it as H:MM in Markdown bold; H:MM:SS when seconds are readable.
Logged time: **5:57:55**
